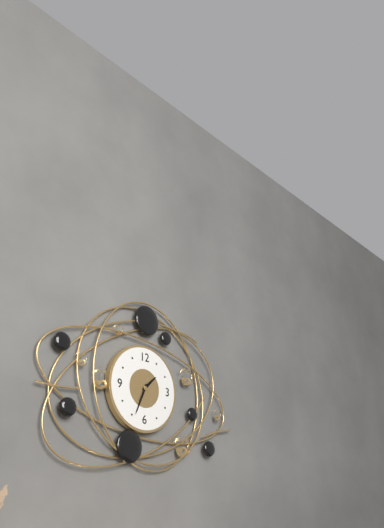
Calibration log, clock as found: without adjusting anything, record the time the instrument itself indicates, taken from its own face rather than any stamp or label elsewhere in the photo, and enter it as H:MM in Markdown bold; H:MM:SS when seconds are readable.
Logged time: **1:34**
